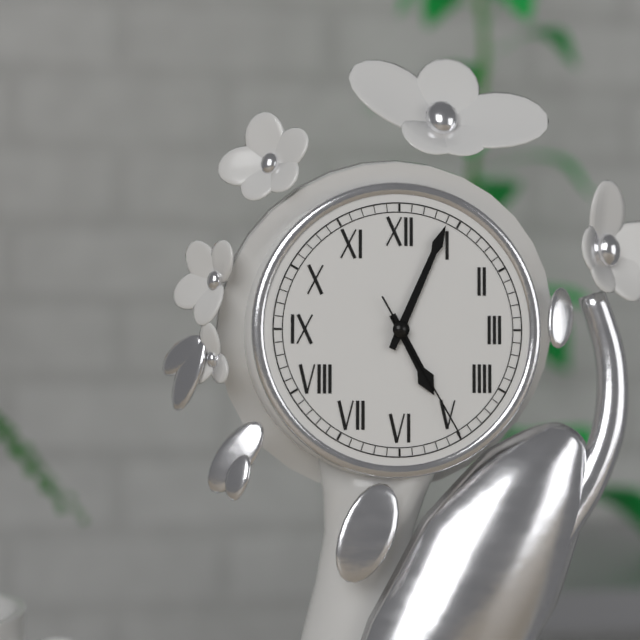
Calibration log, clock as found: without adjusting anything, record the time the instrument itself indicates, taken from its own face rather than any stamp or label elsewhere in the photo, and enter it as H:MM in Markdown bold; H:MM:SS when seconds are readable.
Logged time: **5:04:25**
